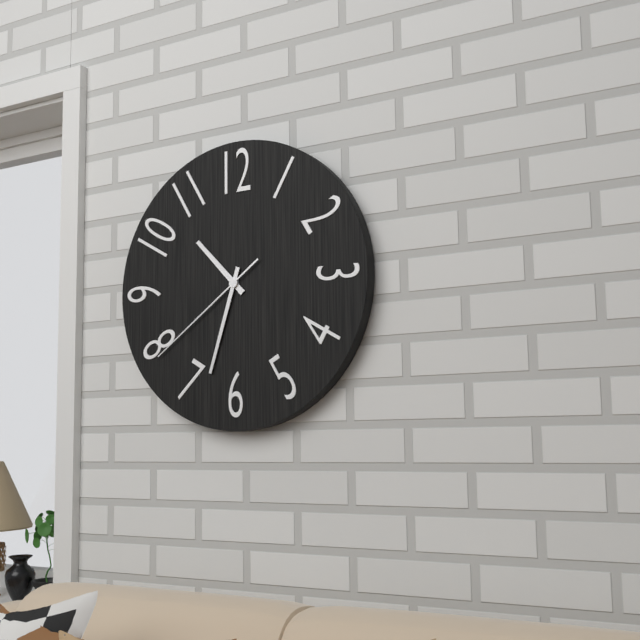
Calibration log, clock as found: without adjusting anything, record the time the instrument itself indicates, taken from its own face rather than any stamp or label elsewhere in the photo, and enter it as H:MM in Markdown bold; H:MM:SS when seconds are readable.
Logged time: **10:33:39**
